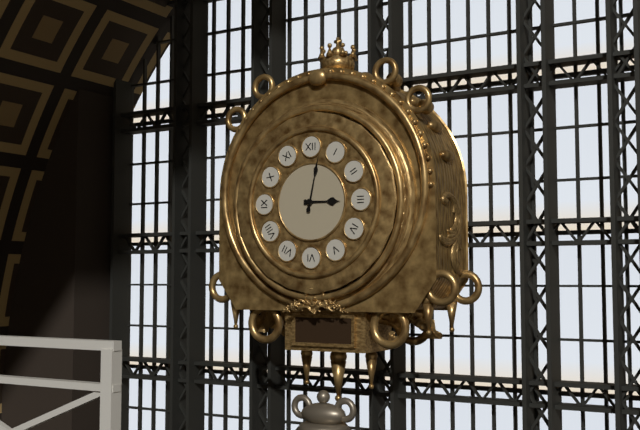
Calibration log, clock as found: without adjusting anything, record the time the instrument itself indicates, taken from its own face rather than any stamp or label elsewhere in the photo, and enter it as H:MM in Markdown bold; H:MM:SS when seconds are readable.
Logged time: **3:02**
